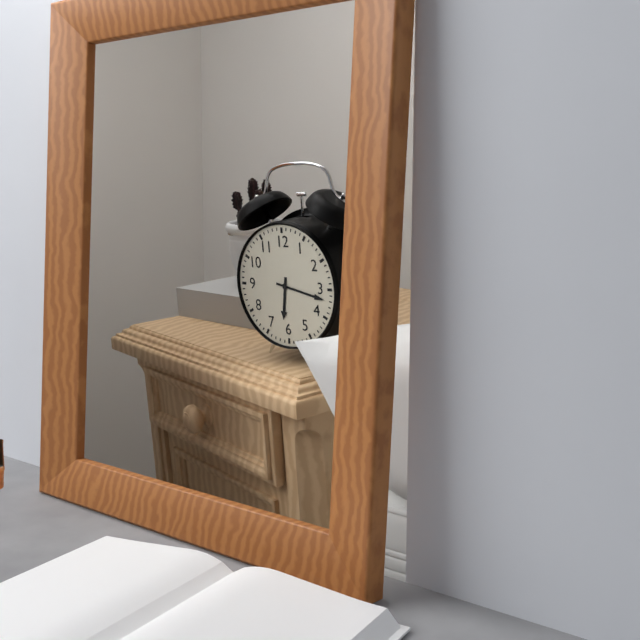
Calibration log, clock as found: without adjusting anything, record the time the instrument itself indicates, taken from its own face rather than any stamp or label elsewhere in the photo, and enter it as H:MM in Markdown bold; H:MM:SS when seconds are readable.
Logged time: **6:17**
